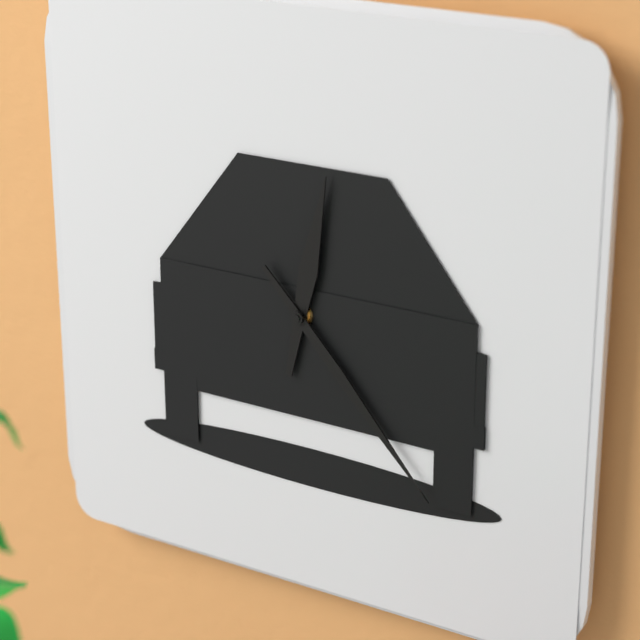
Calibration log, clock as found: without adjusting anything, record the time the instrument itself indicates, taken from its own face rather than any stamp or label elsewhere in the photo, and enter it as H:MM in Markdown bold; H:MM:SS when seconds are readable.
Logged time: **12:23**
